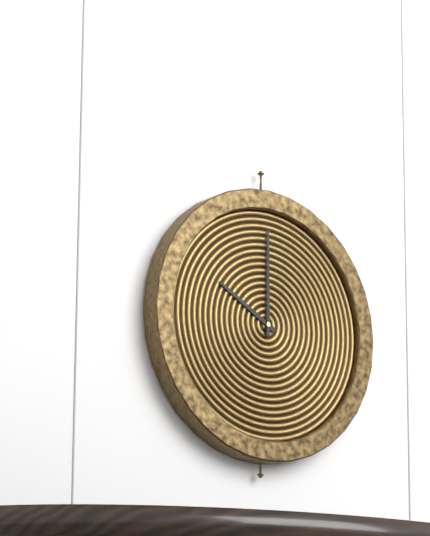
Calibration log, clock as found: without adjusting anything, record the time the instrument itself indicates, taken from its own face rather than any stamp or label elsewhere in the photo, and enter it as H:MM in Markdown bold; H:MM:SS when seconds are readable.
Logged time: **10:00**
